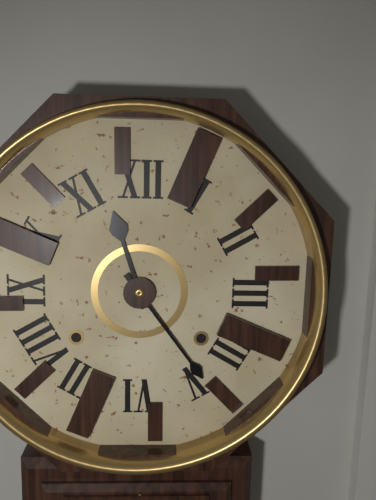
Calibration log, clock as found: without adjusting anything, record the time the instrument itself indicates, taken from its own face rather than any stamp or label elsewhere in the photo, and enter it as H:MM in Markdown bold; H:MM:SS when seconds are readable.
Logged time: **11:24**
